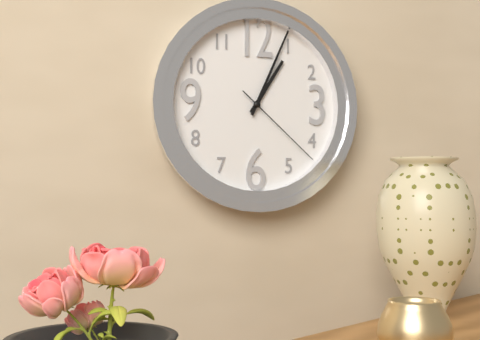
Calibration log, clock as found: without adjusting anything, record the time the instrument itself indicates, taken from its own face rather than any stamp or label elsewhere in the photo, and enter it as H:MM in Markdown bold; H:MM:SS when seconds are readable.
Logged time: **1:04:22**
